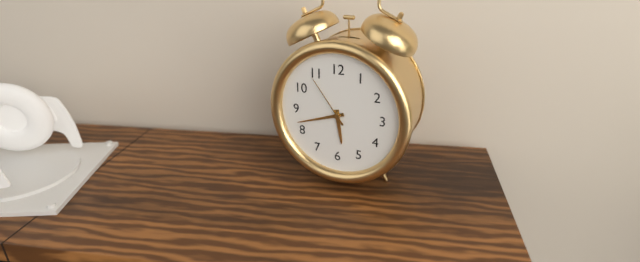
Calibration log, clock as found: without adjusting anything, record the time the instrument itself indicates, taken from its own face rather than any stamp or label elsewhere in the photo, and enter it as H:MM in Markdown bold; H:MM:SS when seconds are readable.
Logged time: **5:42:54**
